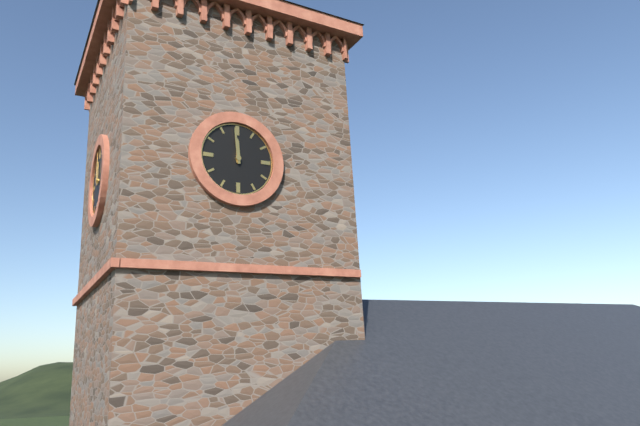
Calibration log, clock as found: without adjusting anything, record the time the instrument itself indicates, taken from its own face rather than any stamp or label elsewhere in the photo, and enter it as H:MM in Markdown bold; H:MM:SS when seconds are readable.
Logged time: **11:59**
